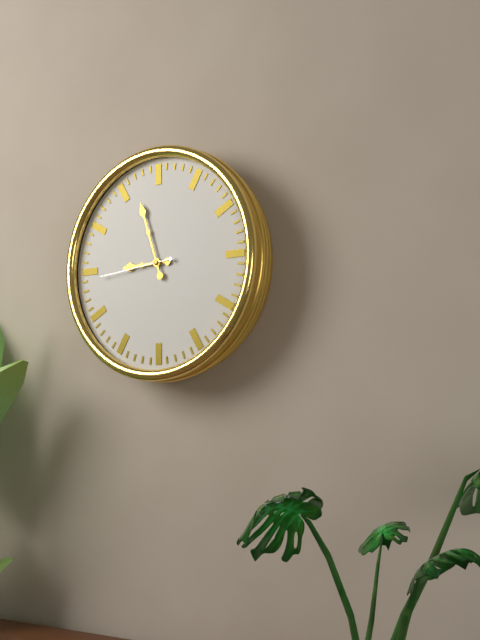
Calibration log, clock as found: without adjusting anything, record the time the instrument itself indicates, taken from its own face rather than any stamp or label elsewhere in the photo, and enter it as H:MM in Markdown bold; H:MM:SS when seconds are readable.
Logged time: **8:57:44**
